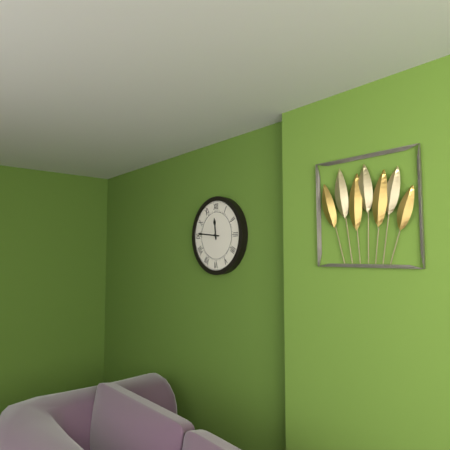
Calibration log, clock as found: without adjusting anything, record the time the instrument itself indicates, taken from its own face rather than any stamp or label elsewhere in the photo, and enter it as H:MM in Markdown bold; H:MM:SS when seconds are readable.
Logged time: **11:46**
